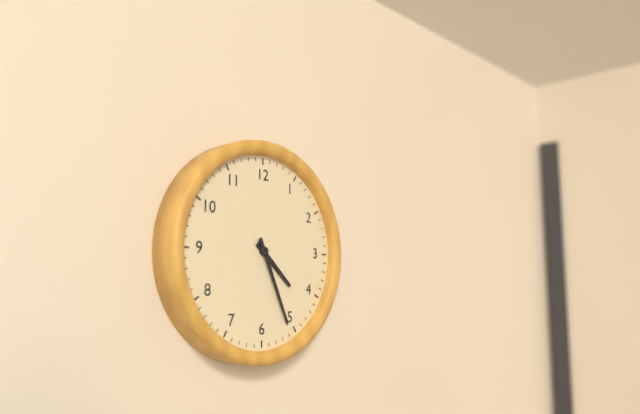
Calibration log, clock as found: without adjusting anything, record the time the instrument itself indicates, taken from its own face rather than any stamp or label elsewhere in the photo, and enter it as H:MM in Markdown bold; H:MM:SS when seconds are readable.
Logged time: **4:26**
